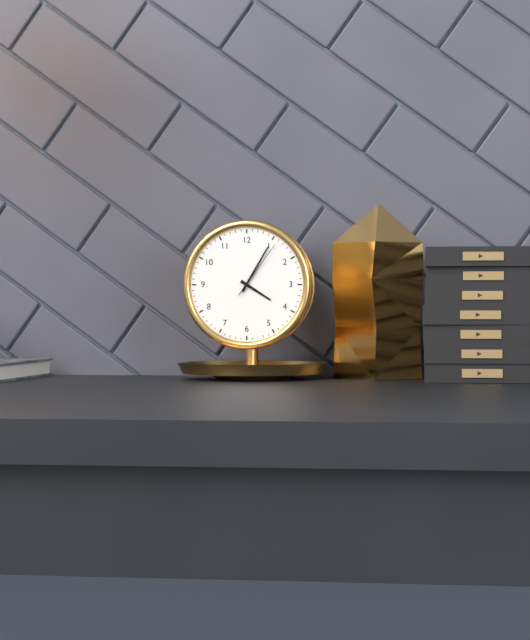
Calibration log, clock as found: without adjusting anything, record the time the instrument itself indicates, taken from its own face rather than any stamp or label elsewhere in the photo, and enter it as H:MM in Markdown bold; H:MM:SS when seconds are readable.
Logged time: **4:05:06**
